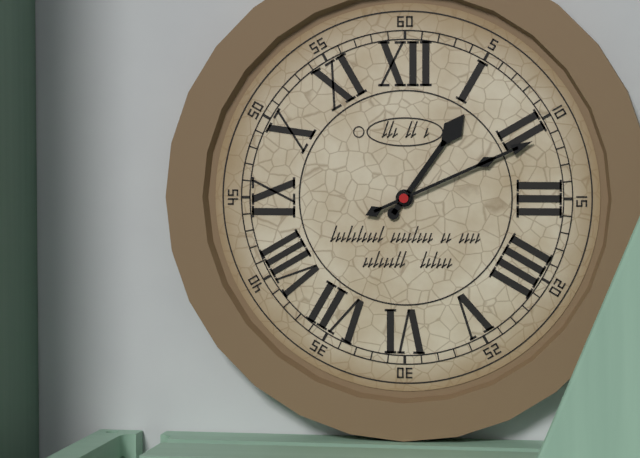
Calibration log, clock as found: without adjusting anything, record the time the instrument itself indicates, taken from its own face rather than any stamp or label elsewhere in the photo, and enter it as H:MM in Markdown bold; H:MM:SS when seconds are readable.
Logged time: **1:11**
